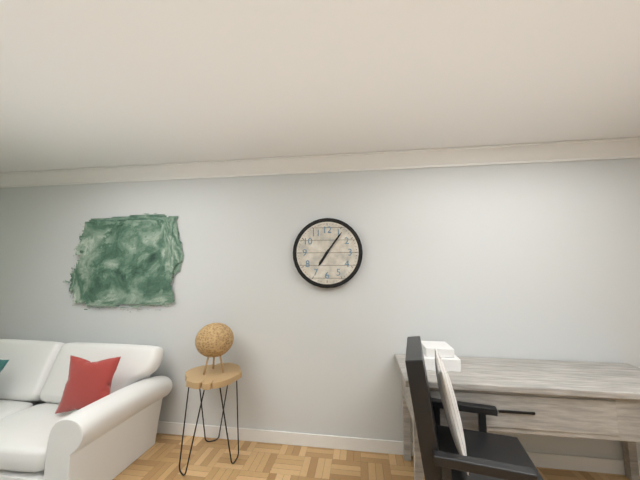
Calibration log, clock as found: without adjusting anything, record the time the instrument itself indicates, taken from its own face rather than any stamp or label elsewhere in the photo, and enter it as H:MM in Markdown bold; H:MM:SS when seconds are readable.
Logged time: **7:06**
